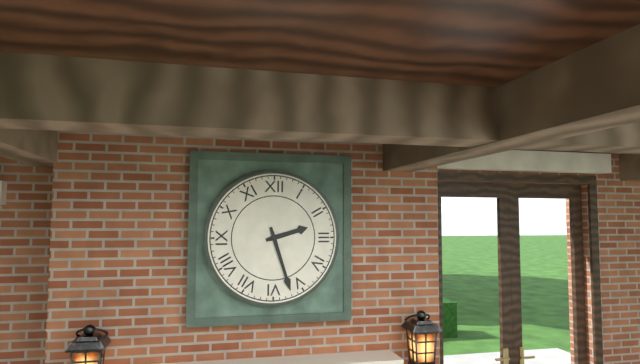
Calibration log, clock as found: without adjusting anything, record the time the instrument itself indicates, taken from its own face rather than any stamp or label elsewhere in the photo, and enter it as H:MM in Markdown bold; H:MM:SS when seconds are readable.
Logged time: **2:27**
